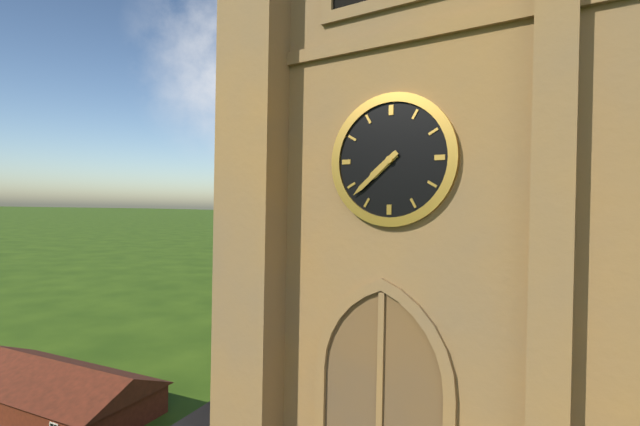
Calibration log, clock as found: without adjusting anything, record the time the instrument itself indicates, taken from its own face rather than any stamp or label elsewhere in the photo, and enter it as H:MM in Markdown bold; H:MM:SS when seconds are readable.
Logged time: **7:38**
